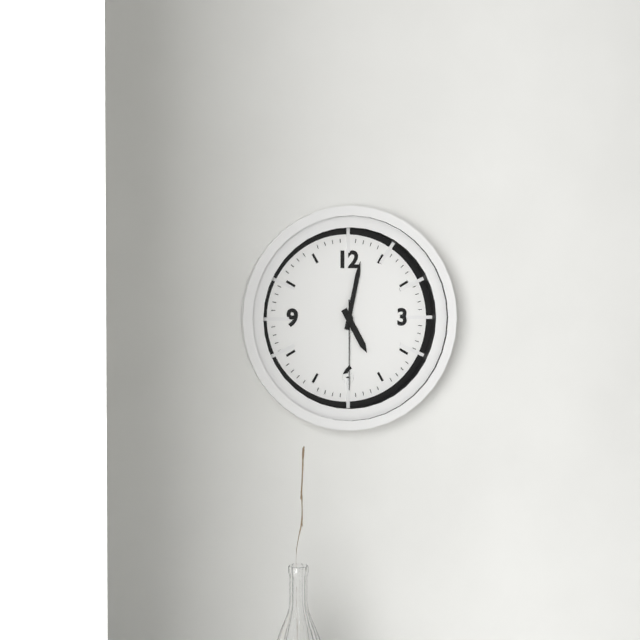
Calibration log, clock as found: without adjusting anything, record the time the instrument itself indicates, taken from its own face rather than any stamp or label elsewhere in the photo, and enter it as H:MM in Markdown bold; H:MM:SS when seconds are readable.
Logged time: **5:02:30**
